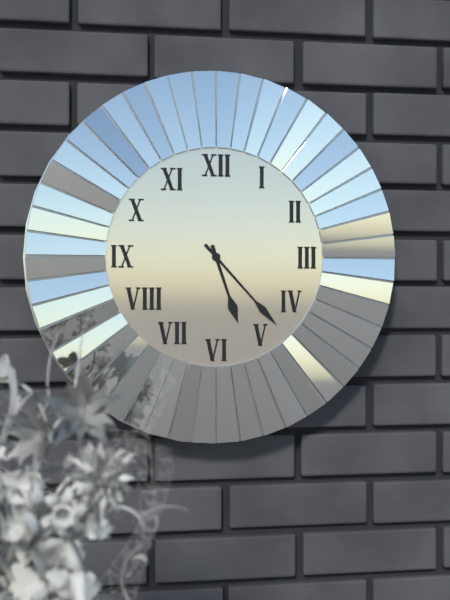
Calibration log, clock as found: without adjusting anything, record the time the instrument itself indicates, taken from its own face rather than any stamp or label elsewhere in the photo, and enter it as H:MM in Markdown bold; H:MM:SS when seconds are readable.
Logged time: **5:23**
